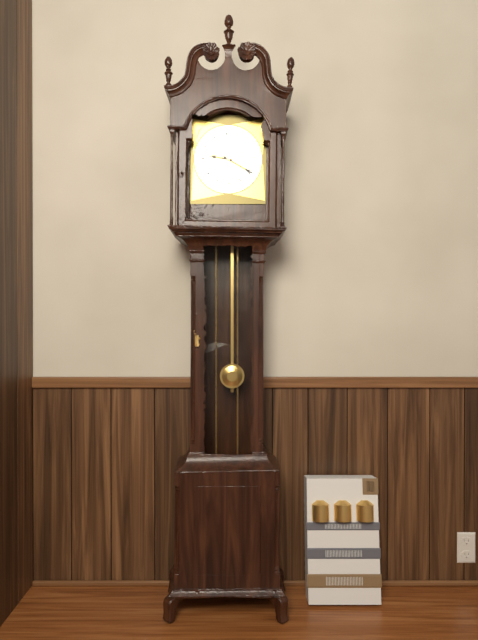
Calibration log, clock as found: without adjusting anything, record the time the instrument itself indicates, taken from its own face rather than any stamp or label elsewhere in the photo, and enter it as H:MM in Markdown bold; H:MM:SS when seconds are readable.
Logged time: **9:20**
